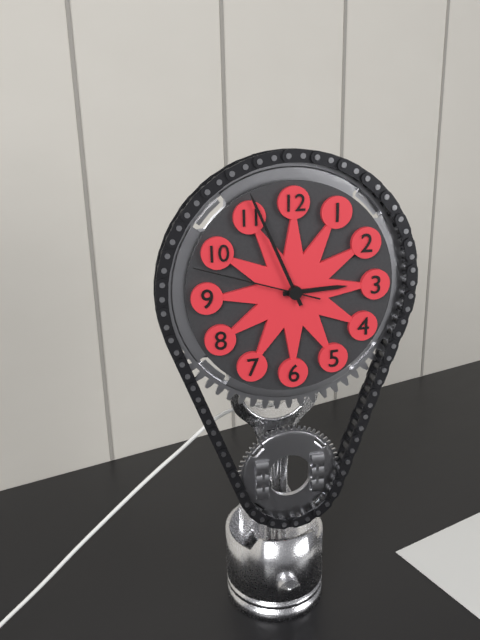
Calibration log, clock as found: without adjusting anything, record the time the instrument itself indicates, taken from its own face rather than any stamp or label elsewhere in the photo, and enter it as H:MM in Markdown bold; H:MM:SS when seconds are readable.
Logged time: **2:56:48**
